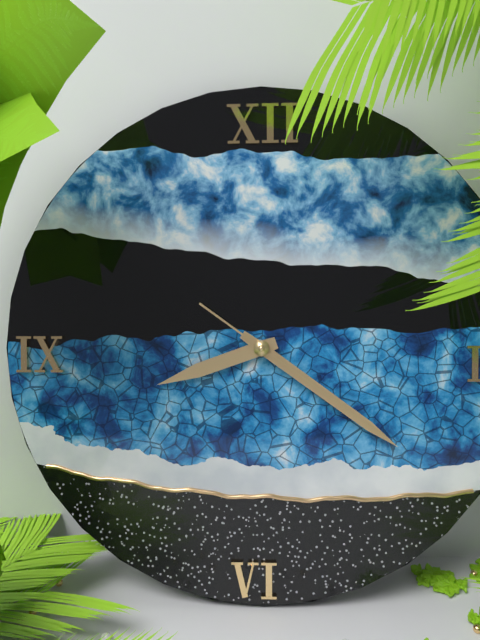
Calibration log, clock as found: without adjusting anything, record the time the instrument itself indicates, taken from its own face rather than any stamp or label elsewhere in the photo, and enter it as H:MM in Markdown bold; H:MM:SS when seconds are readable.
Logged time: **8:21:21**
